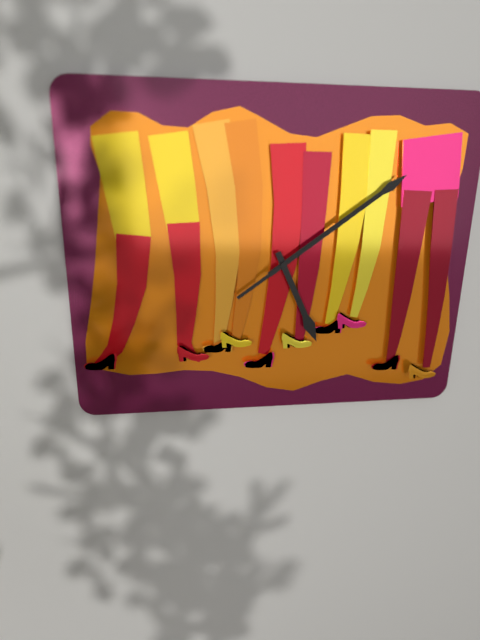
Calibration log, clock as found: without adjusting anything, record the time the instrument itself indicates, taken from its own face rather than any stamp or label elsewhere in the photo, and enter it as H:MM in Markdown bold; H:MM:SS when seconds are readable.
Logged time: **5:09:09**
